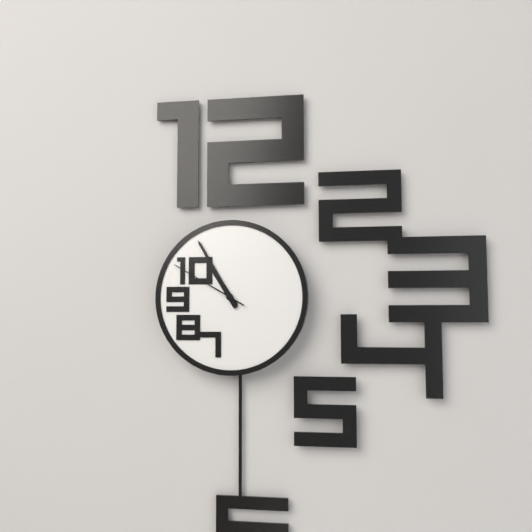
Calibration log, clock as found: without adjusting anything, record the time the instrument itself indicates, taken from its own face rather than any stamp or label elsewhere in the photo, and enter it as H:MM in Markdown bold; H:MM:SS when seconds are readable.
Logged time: **10:55:50**
